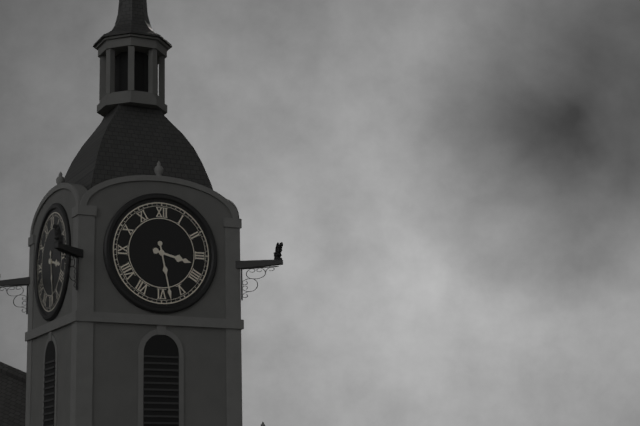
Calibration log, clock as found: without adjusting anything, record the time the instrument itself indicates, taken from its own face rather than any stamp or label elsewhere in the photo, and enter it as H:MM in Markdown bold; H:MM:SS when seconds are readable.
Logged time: **3:28**
